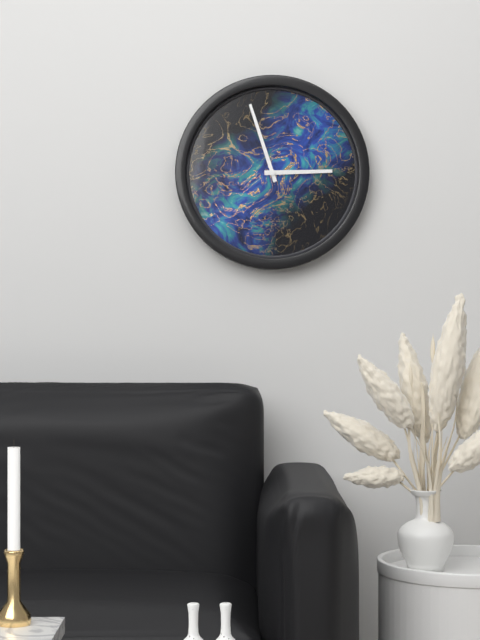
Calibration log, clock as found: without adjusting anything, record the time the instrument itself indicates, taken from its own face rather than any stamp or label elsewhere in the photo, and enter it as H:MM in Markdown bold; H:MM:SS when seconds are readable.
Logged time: **2:57**
